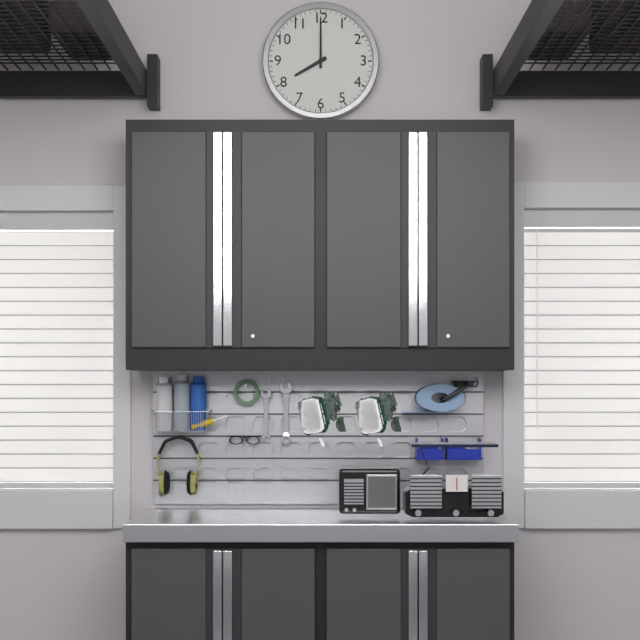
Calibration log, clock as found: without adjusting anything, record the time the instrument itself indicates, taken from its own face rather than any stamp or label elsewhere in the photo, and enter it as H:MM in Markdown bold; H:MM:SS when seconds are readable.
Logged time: **8:00**
